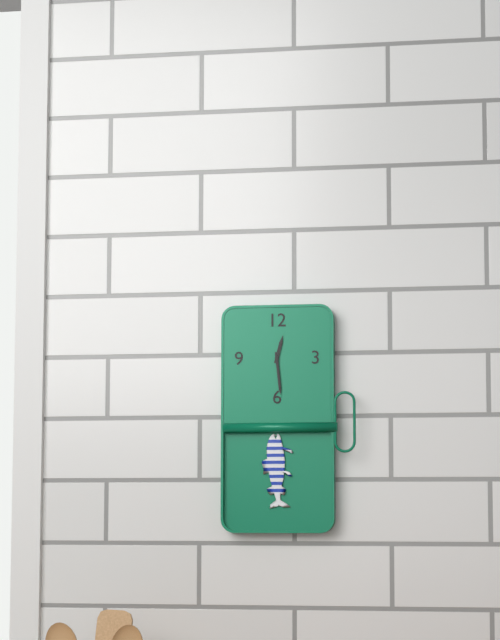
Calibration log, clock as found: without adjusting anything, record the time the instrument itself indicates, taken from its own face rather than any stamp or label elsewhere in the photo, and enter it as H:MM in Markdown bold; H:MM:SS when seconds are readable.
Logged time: **12:29**
